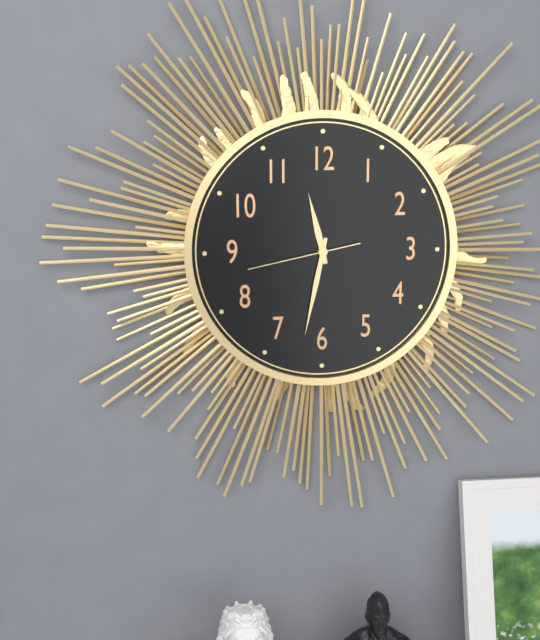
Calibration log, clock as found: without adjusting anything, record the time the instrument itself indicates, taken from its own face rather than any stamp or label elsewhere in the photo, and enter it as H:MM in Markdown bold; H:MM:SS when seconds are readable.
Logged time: **11:32:43**
